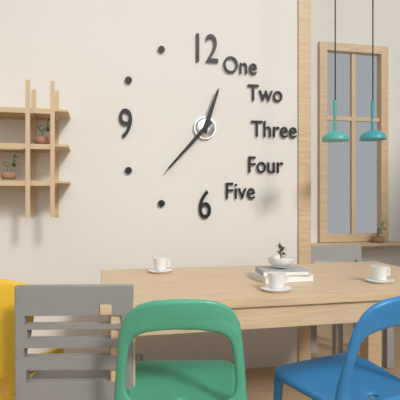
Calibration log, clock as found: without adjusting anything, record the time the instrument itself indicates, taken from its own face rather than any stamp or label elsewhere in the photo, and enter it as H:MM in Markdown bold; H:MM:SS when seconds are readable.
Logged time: **12:37**
